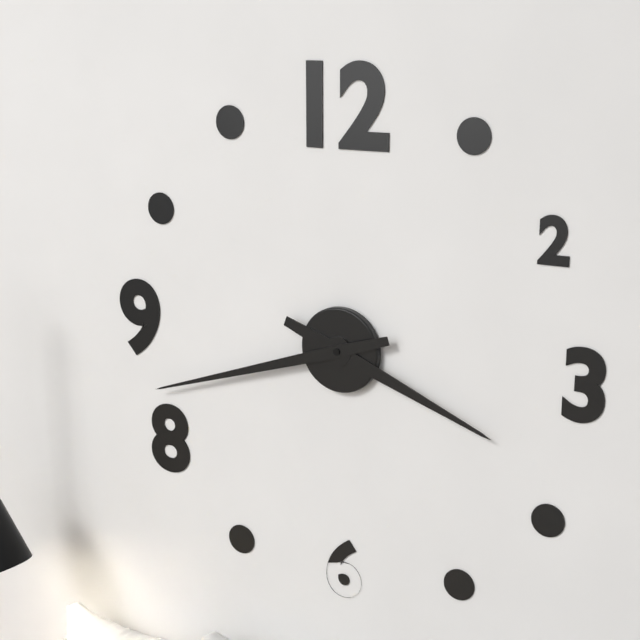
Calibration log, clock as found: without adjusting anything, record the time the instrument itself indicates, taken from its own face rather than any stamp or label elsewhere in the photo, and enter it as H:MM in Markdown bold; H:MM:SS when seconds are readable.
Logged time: **3:42**
